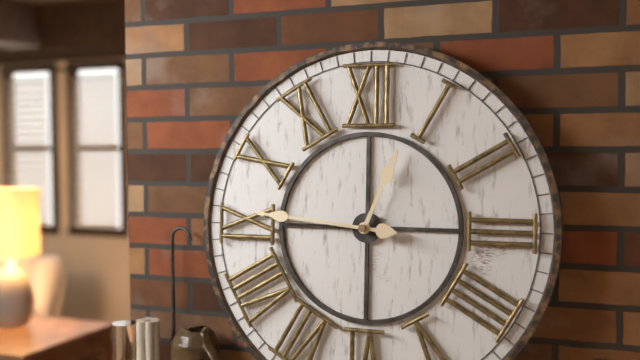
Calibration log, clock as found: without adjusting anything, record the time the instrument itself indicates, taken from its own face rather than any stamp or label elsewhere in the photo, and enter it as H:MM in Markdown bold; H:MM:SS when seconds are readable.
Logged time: **12:46**
